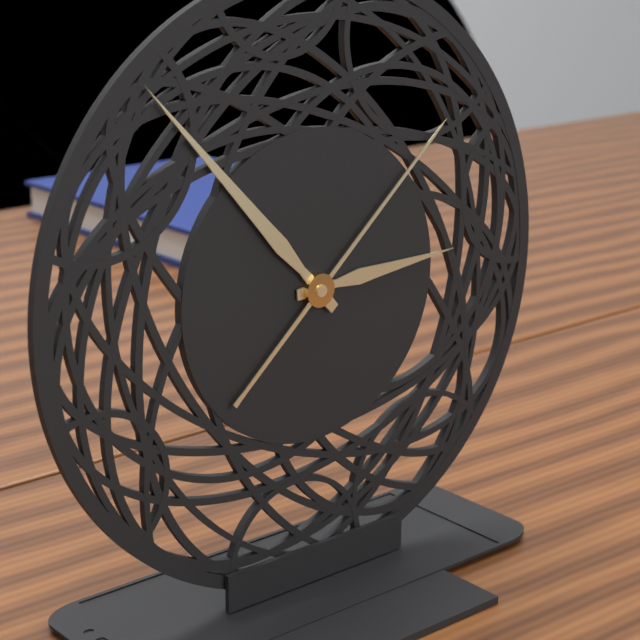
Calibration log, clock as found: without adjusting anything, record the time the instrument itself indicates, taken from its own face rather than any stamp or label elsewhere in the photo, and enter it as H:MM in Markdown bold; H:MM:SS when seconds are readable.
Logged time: **2:53:08**
